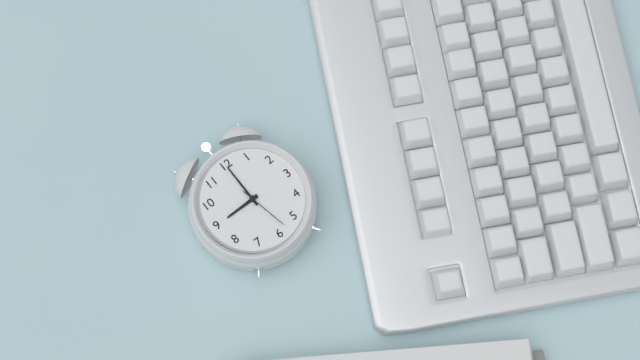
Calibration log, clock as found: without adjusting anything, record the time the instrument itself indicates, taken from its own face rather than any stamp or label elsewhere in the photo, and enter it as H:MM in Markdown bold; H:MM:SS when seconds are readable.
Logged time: **9:00:28**
